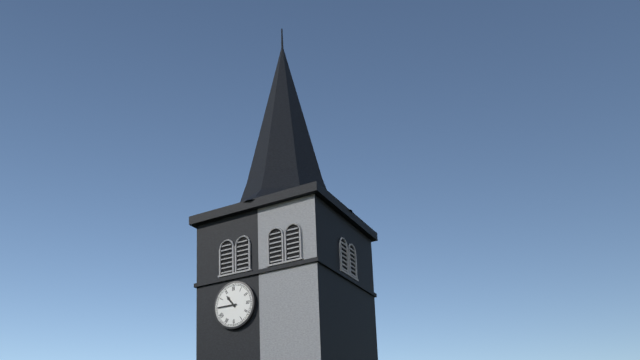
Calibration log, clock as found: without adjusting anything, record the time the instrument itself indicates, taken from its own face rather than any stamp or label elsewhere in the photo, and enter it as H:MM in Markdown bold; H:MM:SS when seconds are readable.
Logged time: **10:45**
